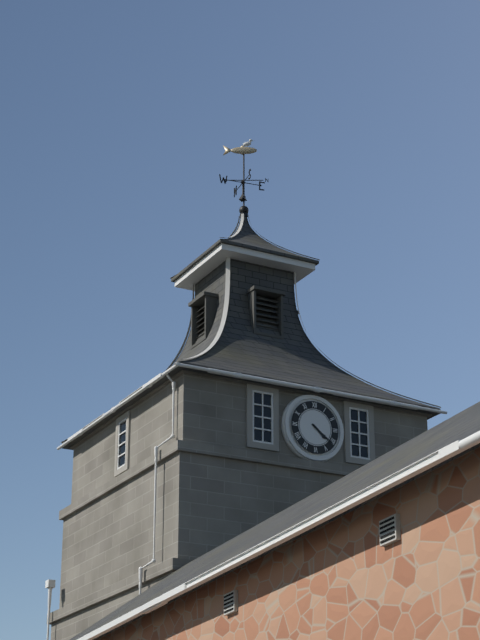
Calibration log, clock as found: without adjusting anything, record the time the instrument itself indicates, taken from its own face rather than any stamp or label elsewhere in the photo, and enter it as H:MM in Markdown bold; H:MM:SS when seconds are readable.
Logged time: **4:21**
